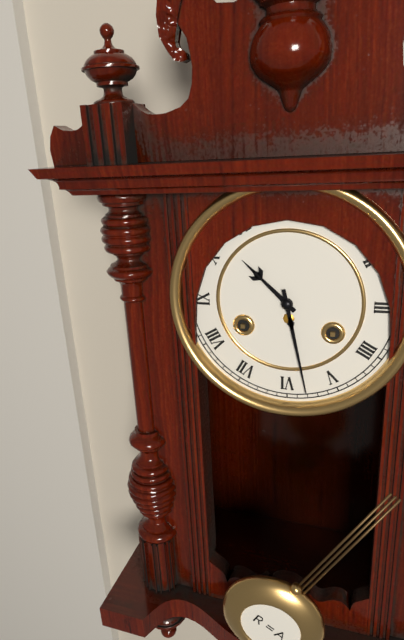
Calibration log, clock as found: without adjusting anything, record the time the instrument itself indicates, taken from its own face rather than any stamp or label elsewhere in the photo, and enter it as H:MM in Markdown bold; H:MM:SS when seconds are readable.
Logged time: **10:28**
